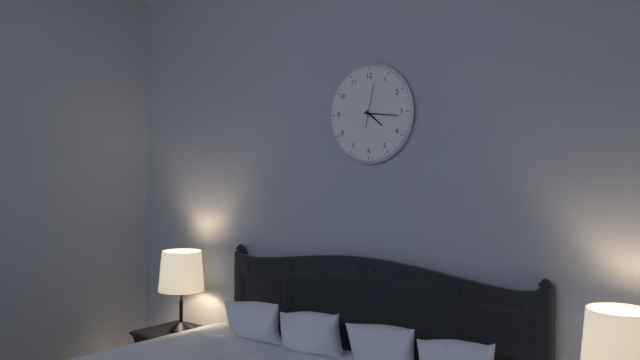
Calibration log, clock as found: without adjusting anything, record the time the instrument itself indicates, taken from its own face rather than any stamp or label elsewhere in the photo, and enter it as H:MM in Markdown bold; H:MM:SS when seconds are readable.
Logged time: **4:16**
